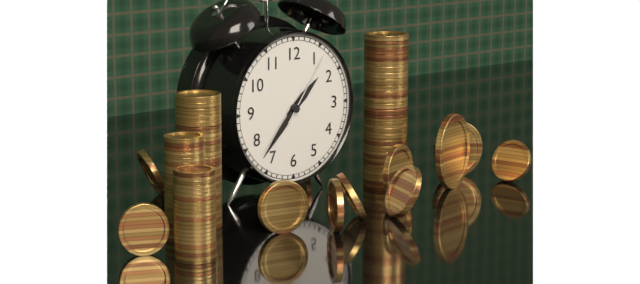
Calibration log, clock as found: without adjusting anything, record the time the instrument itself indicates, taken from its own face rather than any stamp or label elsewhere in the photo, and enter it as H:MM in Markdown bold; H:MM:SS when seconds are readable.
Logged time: **1:37:06**
